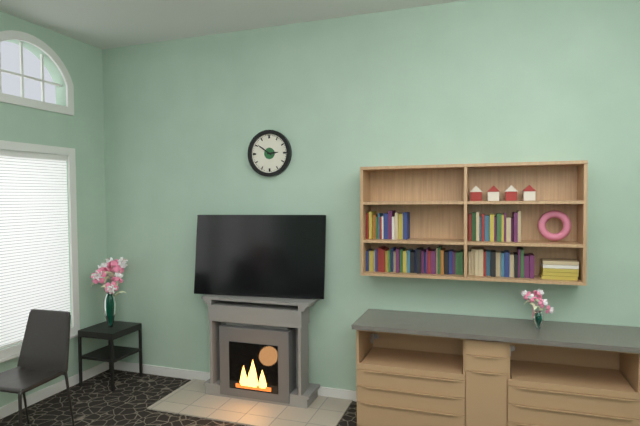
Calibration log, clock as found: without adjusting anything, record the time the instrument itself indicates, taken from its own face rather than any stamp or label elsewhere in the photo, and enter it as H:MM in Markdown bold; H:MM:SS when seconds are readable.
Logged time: **2:51**
